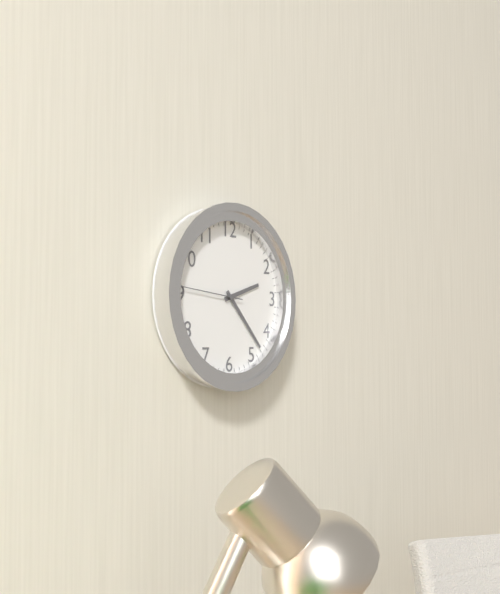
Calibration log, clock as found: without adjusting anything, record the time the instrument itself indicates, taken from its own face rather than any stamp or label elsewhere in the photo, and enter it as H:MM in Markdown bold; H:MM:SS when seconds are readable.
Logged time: **2:23:46**
